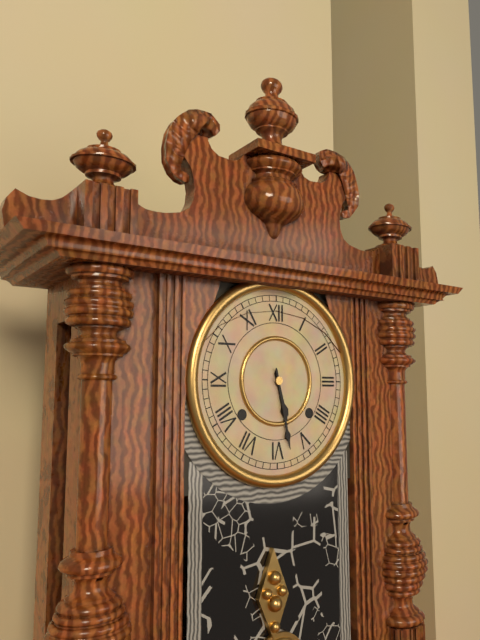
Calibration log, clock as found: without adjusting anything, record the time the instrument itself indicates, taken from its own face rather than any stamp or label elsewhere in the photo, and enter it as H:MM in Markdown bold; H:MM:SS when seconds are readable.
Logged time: **5:28**
